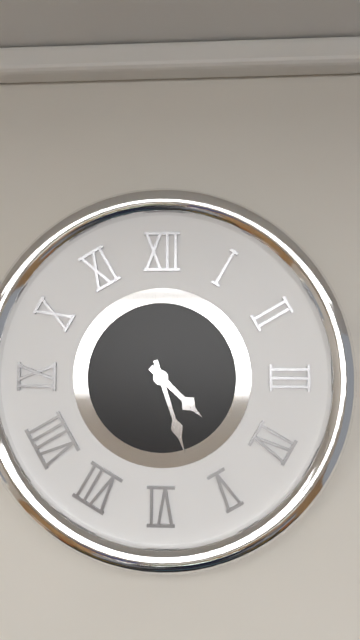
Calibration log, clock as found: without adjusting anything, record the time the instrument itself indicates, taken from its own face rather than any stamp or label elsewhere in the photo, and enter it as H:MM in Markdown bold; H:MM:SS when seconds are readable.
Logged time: **4:27**
